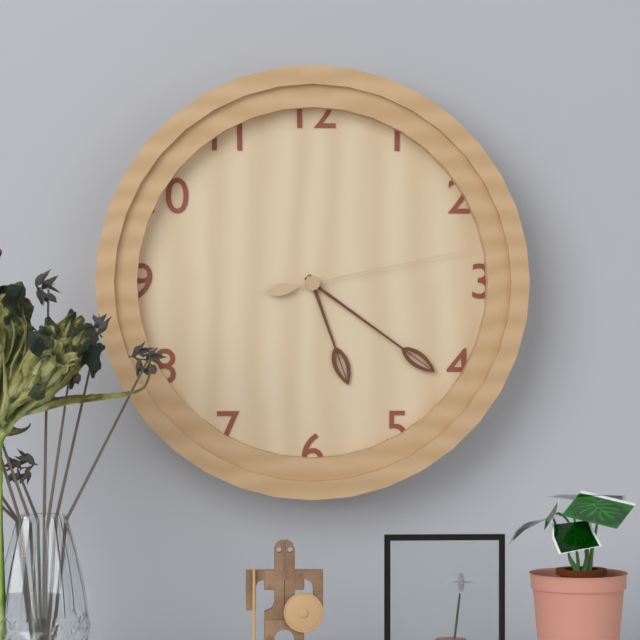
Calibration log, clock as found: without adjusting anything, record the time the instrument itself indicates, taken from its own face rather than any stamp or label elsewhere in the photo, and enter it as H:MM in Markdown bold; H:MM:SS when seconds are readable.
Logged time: **5:21:13**
